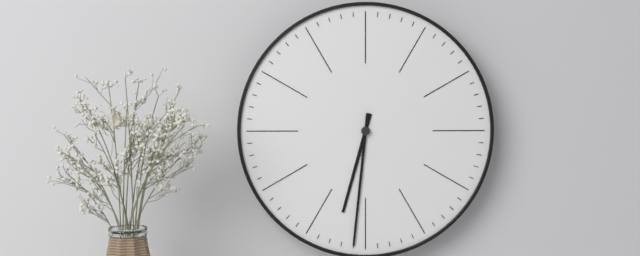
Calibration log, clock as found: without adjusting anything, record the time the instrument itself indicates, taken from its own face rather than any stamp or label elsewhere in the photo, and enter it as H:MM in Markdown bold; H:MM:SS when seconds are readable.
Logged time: **6:31**
